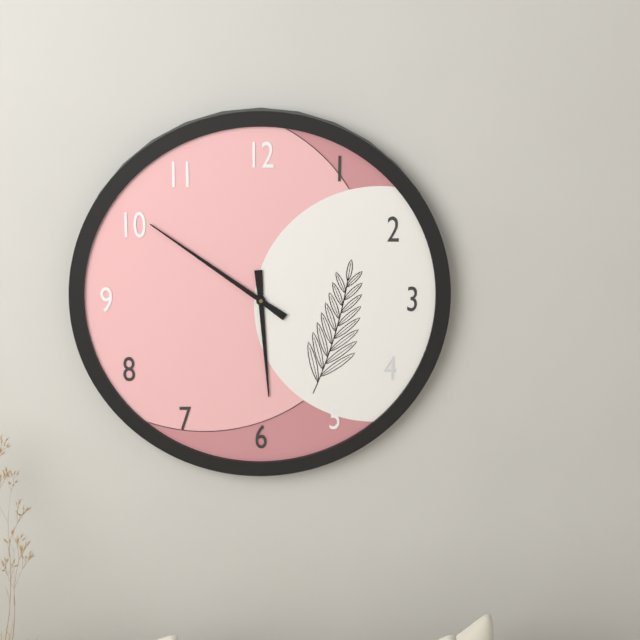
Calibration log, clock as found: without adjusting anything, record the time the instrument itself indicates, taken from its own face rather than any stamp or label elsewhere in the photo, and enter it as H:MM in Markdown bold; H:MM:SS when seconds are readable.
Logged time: **5:51**
